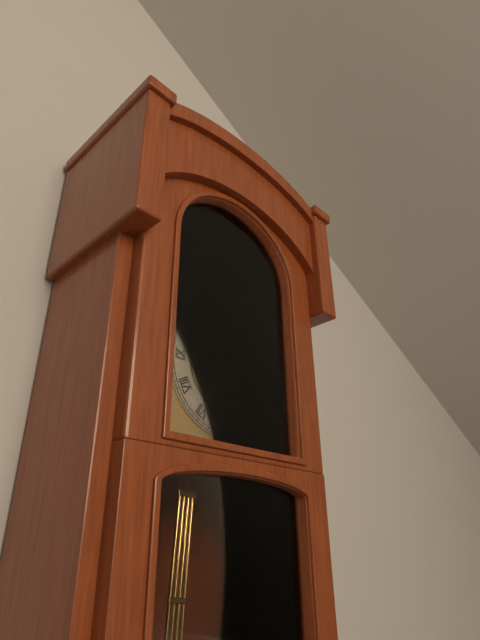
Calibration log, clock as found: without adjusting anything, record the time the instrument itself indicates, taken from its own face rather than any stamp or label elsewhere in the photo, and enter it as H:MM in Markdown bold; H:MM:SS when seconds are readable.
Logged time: **1:24**
